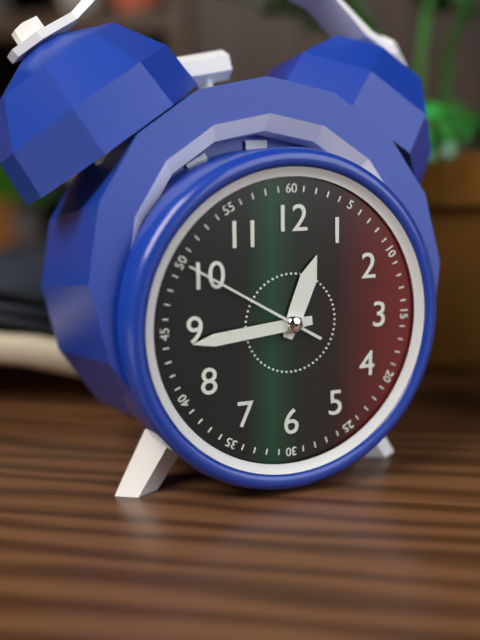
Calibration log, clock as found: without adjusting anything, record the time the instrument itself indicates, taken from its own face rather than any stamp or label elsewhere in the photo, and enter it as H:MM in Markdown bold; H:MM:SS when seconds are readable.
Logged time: **12:44:50**
